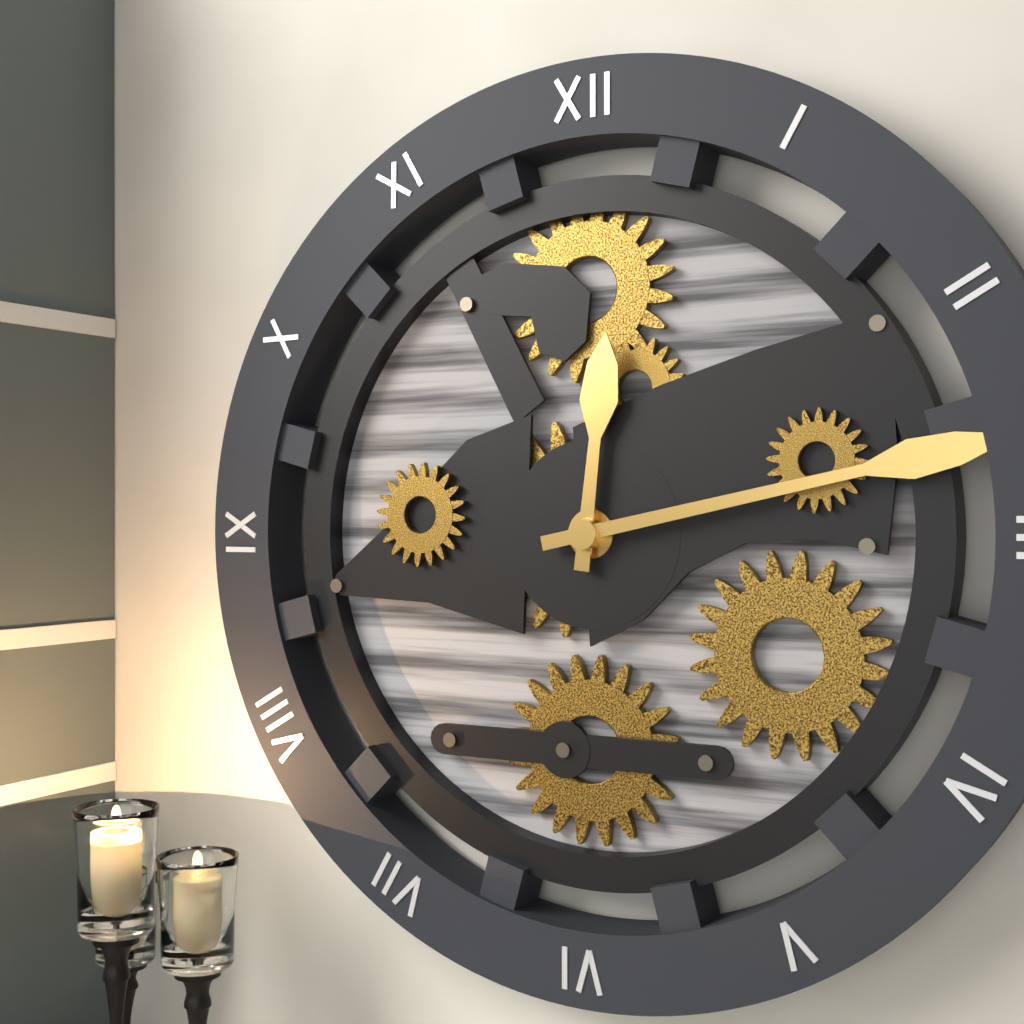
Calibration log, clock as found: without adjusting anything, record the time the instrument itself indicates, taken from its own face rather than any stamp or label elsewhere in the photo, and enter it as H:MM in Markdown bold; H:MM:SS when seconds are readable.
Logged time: **12:13**
